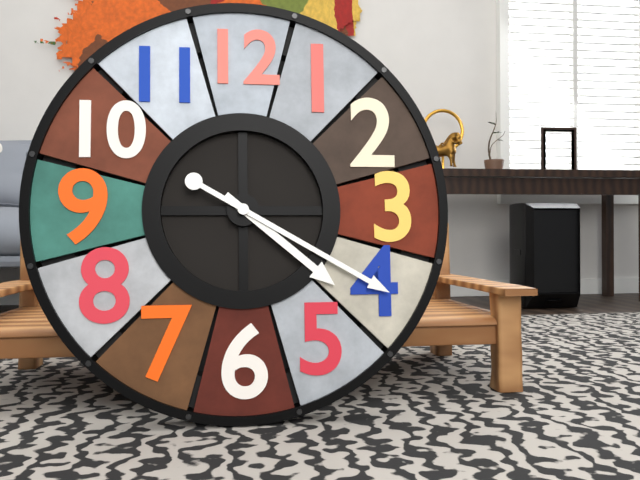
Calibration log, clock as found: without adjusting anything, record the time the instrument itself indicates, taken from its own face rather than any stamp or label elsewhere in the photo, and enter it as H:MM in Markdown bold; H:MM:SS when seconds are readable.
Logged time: **4:20**
